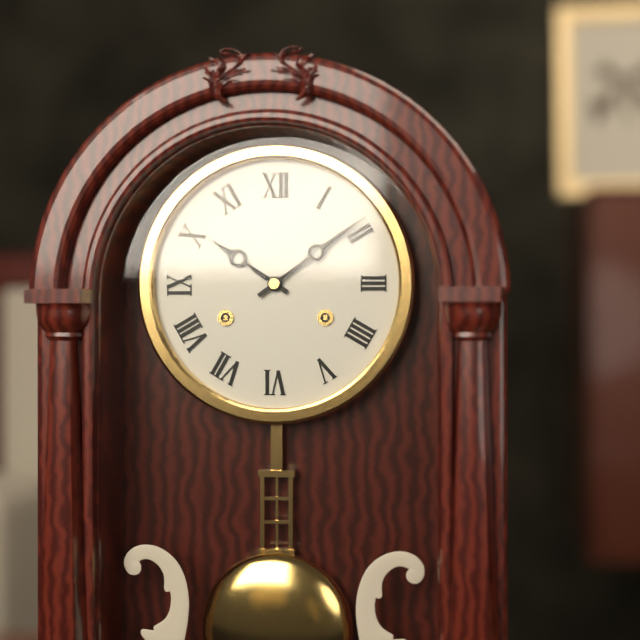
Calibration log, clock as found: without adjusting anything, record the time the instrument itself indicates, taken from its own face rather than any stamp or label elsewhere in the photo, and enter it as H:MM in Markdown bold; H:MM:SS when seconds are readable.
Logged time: **10:09**
